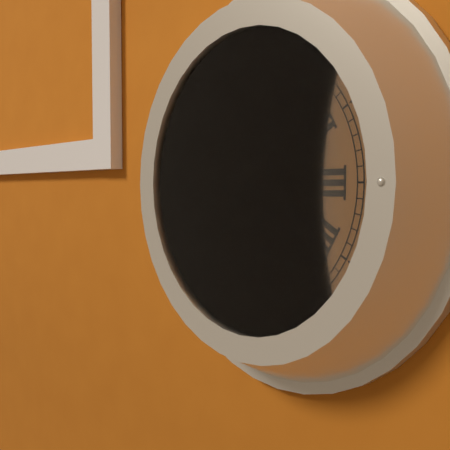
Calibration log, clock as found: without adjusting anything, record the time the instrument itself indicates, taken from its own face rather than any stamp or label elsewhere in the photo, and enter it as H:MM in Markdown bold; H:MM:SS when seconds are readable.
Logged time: **11:03**
